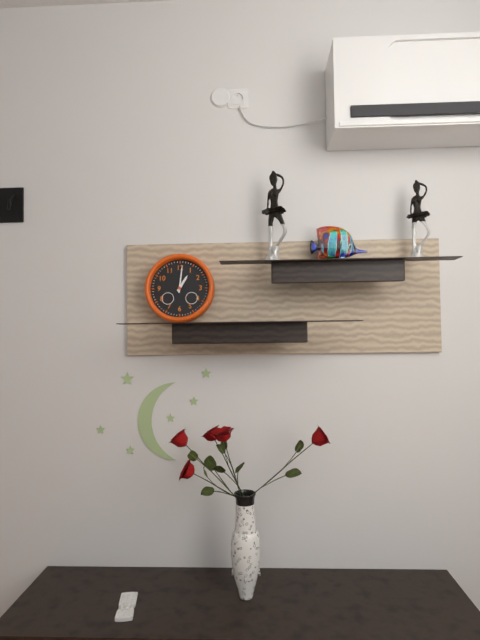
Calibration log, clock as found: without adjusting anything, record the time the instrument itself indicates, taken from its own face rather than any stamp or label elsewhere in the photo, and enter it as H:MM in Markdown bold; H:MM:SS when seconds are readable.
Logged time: **1:01**
